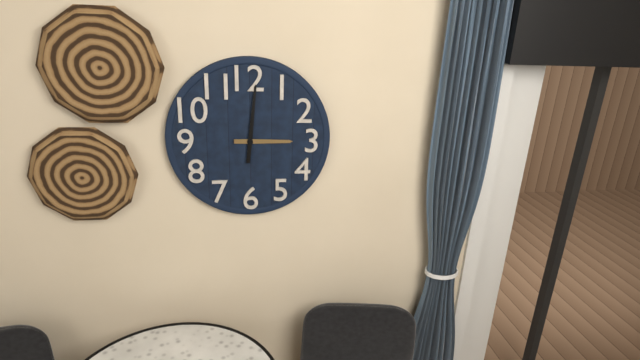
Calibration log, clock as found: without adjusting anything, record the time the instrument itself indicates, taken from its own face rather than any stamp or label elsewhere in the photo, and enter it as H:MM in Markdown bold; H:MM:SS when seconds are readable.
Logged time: **3:01**
